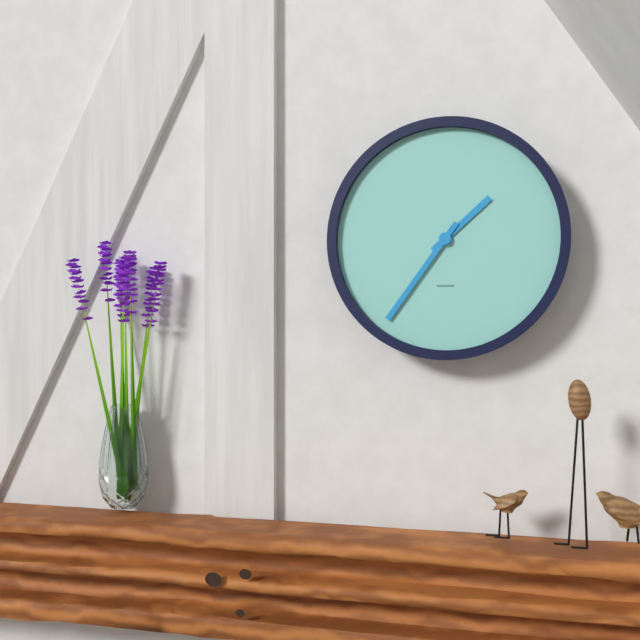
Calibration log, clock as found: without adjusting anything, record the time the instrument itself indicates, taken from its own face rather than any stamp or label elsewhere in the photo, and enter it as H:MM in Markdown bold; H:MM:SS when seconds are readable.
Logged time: **1:36**
